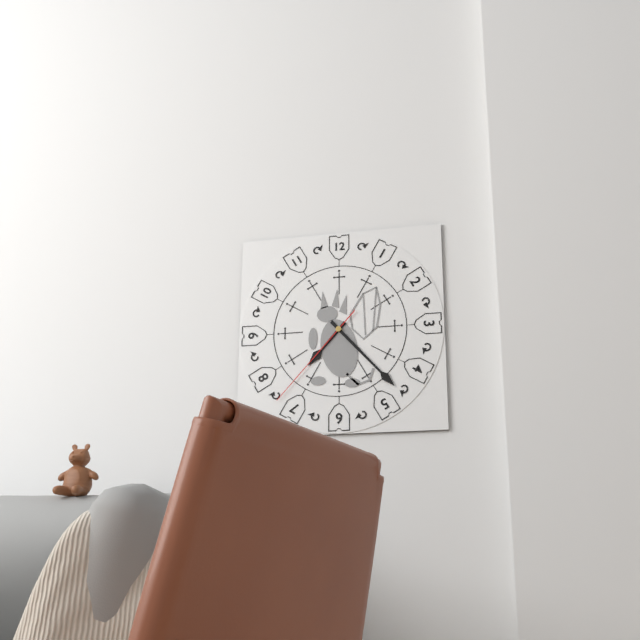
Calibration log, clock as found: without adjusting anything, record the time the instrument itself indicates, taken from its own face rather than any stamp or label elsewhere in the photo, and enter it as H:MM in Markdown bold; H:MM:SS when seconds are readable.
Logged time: **7:23:37**
